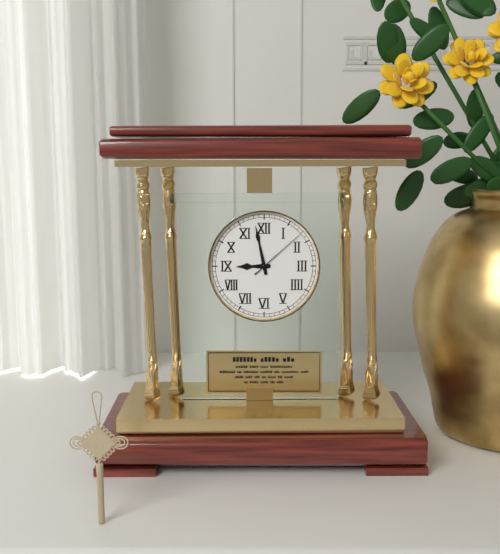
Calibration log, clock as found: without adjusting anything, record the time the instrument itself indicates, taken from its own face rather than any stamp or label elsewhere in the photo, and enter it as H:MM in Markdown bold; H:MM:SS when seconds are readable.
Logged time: **8:58:08**
